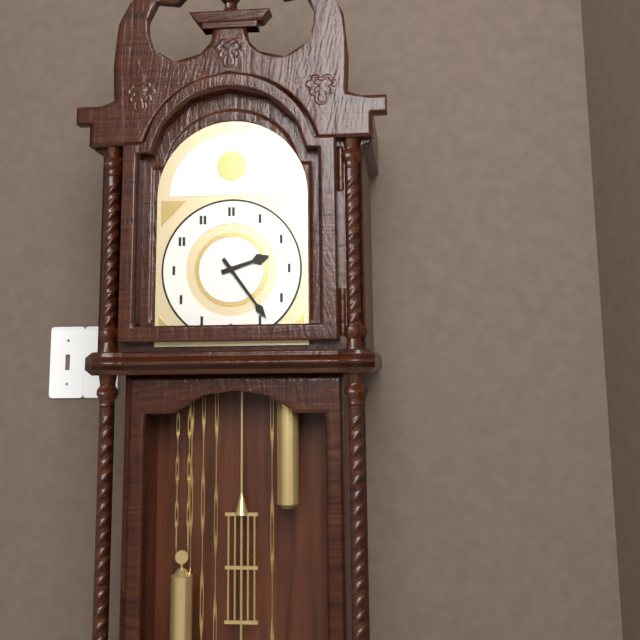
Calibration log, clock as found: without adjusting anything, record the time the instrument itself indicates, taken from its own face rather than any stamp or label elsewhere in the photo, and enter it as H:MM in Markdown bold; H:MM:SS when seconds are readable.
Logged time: **2:24**
